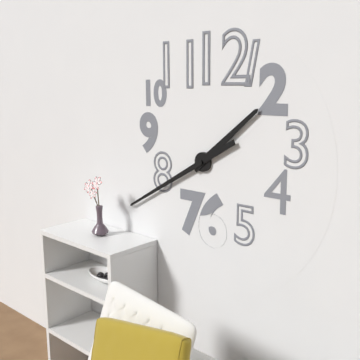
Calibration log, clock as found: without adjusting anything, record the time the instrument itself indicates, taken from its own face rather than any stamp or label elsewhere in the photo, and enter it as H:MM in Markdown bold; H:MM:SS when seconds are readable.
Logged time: **1:40**
